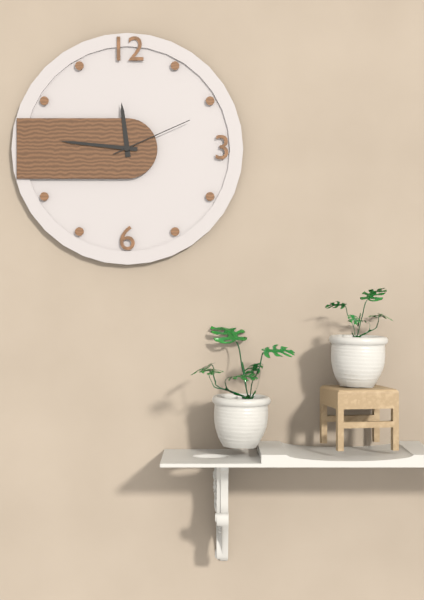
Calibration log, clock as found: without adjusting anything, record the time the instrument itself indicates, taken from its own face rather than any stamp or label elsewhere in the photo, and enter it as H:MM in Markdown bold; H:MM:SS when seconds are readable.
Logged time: **11:46:11**
